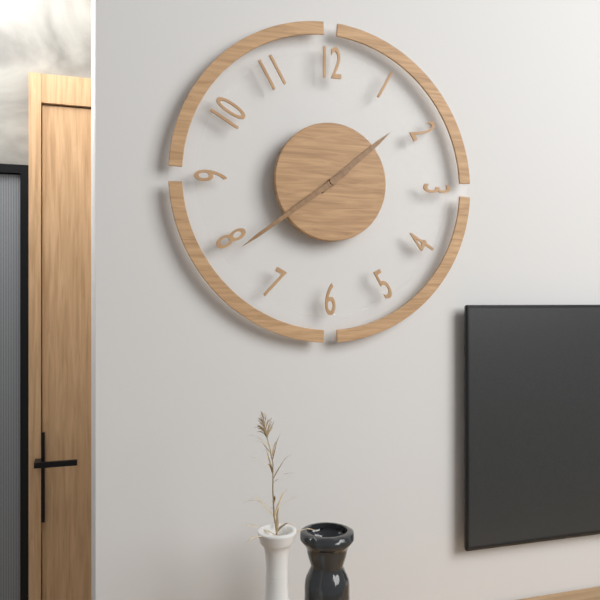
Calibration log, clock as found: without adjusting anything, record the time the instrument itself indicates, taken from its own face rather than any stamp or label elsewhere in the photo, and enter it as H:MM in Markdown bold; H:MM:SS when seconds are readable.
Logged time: **1:39**
